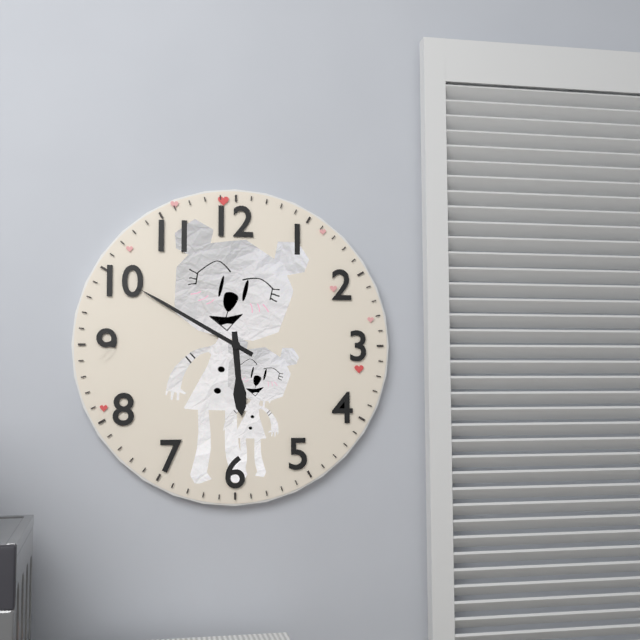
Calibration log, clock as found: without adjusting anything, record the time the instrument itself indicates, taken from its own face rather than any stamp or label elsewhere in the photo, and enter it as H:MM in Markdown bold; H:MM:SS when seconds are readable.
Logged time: **5:50**
